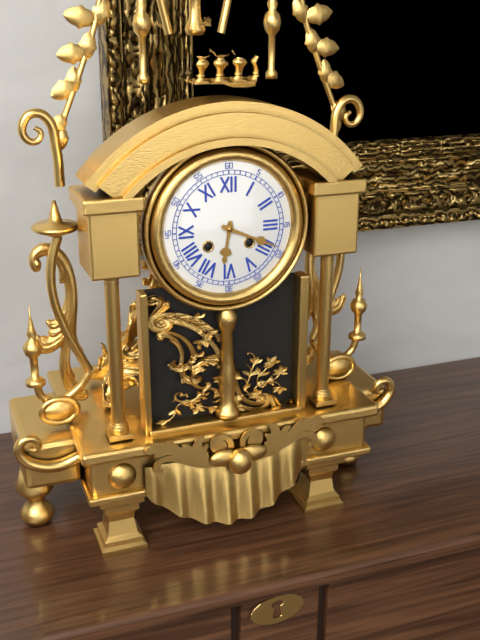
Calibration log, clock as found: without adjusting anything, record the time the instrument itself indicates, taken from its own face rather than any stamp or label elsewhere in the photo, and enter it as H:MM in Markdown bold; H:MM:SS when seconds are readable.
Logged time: **6:19**
